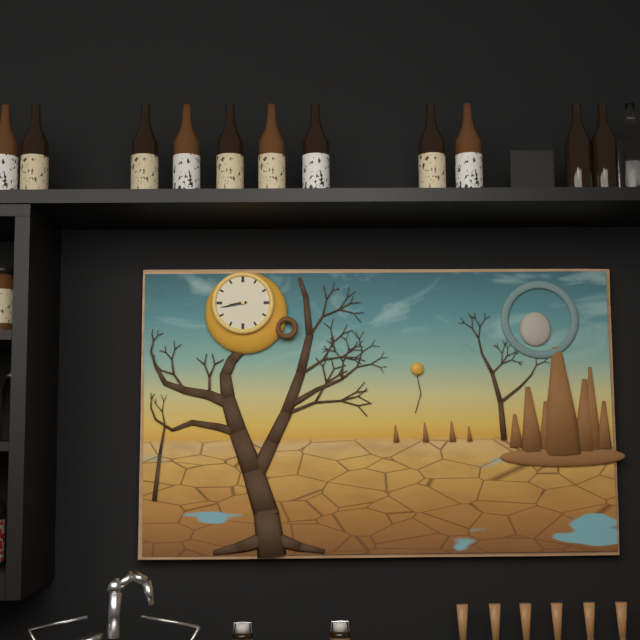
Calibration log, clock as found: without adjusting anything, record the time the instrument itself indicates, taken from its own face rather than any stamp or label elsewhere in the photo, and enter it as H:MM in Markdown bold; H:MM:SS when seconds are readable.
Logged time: **8:43**
